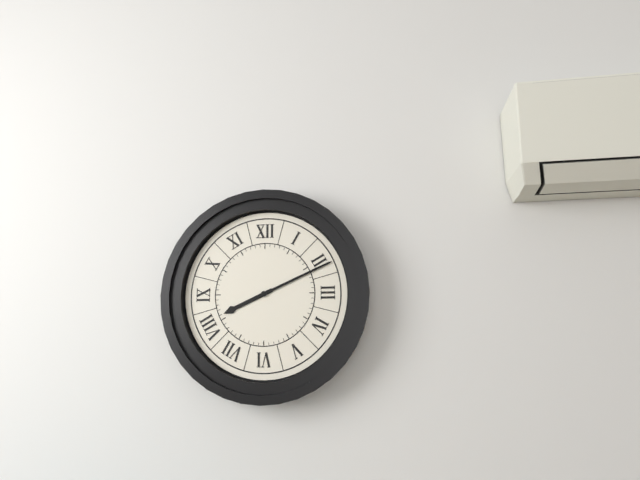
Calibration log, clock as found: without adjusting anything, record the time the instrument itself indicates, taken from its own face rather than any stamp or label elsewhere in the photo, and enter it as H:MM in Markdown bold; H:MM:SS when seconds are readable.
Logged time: **8:11**
